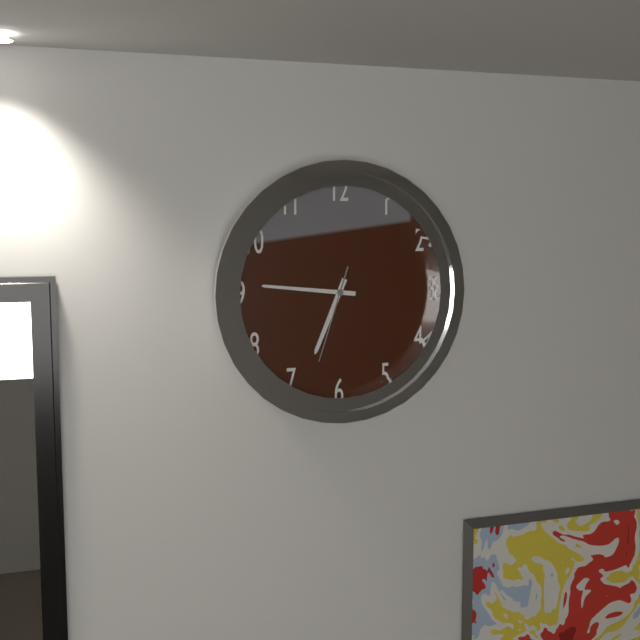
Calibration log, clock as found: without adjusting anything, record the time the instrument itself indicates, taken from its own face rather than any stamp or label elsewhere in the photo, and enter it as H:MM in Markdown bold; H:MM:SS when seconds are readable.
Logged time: **6:46:33**
